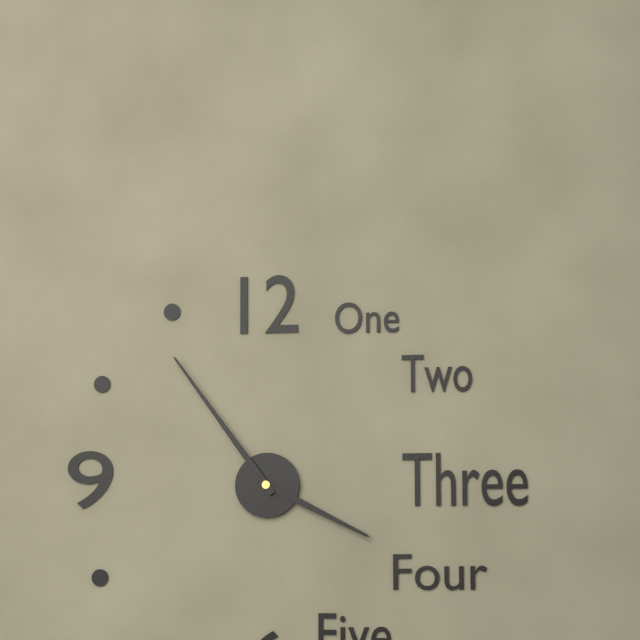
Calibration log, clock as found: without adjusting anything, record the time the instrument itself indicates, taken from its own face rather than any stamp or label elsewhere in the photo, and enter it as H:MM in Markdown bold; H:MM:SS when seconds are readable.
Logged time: **3:54**
